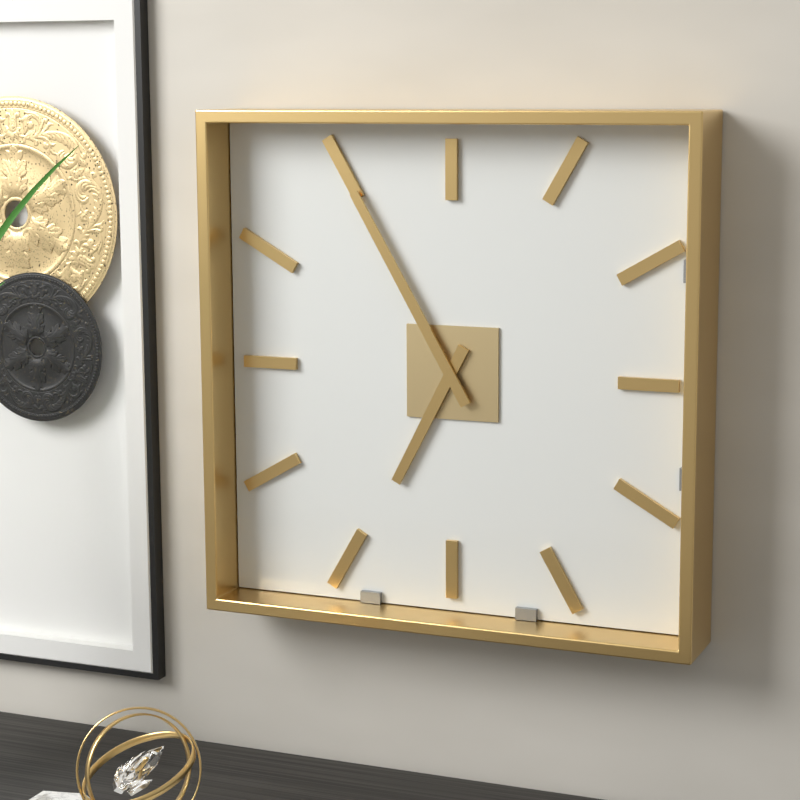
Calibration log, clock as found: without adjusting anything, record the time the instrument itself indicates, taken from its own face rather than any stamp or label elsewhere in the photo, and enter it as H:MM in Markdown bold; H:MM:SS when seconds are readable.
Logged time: **6:55**
